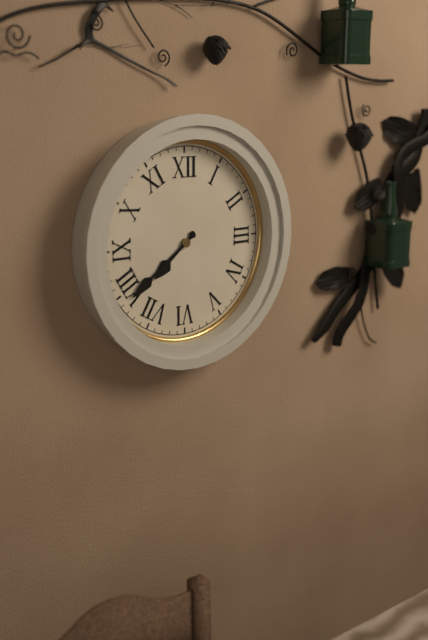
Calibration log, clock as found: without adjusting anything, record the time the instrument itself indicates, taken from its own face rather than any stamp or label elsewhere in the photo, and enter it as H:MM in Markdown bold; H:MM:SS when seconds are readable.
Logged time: **7:39**
